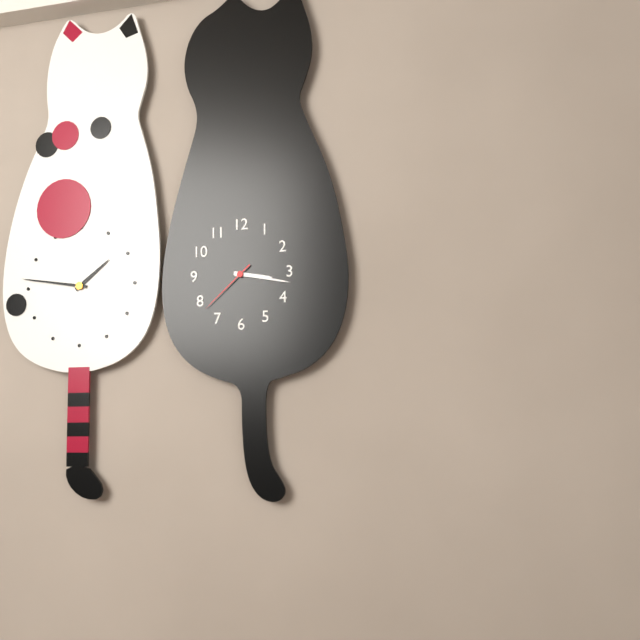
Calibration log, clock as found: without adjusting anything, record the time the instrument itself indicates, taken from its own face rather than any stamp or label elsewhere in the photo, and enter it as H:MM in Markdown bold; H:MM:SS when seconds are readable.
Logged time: **3:17:38**
